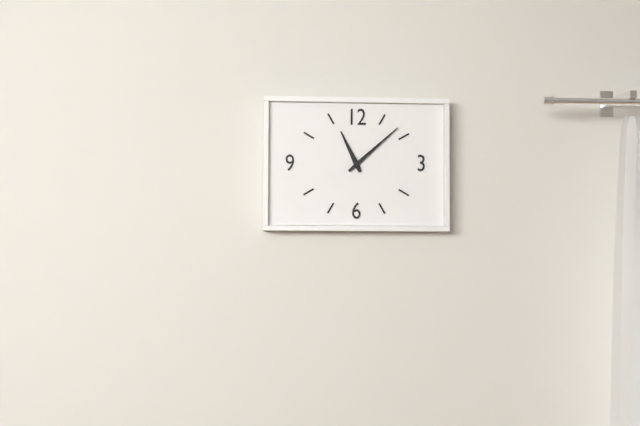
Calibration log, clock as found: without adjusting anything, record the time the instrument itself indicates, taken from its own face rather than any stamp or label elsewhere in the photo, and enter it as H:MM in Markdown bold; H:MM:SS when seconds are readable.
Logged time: **11:08**
